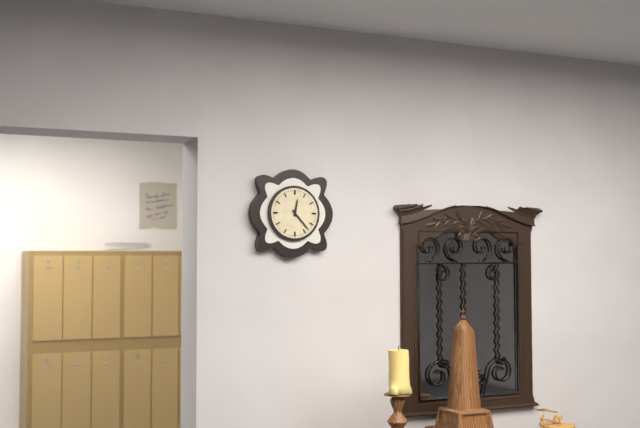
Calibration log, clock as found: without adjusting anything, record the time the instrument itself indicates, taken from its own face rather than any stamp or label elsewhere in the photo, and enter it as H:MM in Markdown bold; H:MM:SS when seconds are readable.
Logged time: **12:23**
